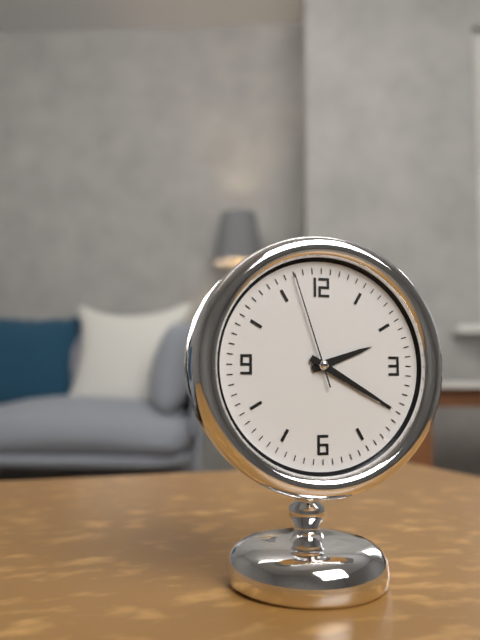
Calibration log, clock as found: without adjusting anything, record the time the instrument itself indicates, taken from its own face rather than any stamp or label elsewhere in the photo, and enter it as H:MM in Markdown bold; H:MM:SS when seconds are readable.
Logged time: **2:20:57**
